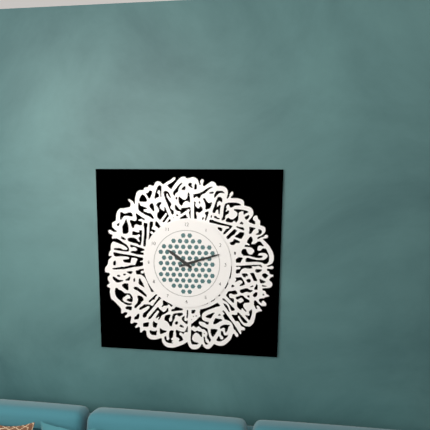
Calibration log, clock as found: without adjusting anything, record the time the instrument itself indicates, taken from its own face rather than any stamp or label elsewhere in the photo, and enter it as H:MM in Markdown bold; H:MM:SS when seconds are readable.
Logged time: **10:12**
